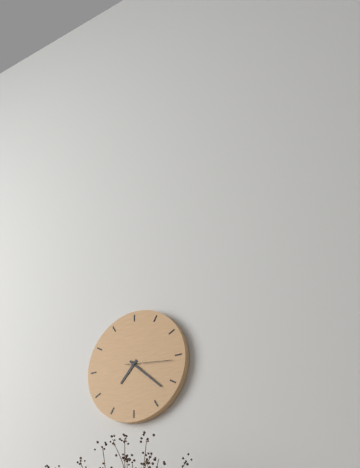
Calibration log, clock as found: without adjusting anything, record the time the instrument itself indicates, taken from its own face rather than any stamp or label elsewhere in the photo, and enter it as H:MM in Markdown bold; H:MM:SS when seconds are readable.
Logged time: **7:22**
